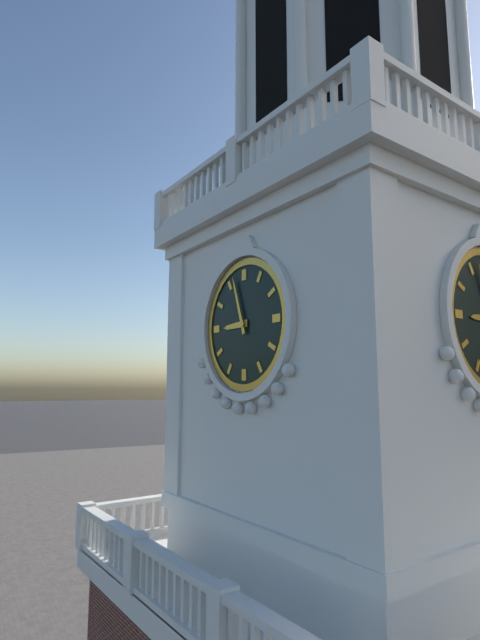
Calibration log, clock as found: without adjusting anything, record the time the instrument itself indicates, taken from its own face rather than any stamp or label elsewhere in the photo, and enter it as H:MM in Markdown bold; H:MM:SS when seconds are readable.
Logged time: **8:57**
